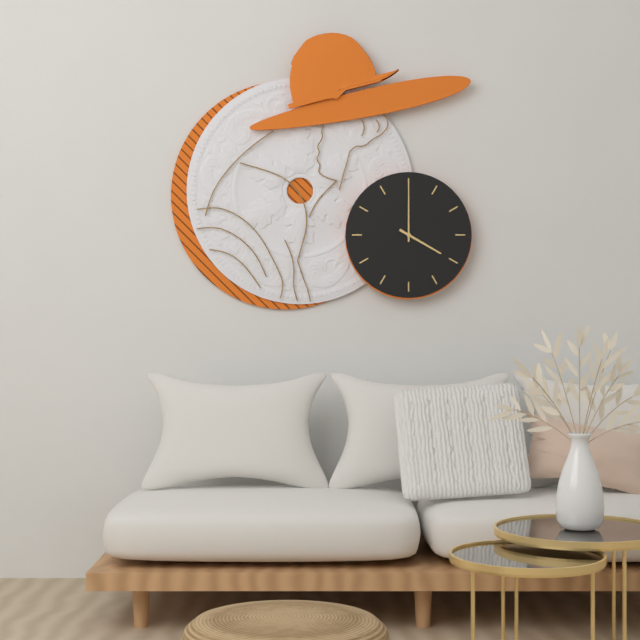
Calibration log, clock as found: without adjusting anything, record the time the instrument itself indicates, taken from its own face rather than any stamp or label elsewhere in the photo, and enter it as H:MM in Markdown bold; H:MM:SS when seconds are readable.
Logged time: **4:00**
